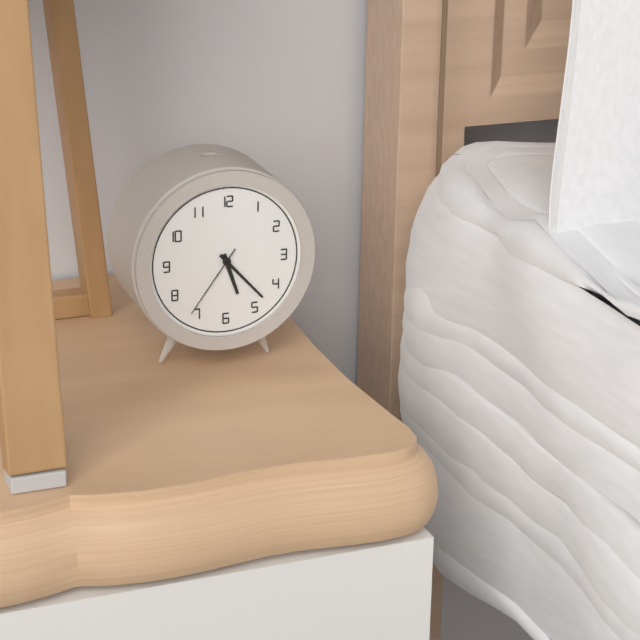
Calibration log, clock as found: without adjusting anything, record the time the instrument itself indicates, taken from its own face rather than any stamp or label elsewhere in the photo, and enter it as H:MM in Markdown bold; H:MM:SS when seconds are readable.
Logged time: **5:23:36**
